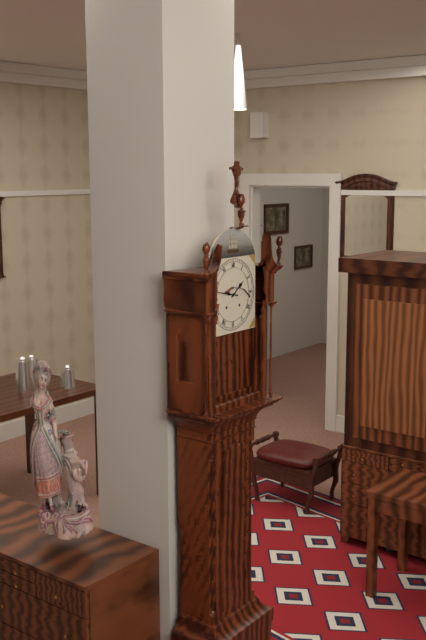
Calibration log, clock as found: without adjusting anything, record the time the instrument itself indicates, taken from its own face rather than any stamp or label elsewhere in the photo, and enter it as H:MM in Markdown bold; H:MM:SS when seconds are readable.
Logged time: **1:47**
